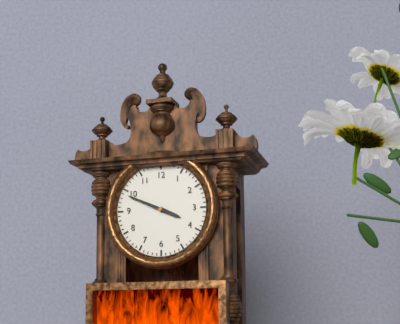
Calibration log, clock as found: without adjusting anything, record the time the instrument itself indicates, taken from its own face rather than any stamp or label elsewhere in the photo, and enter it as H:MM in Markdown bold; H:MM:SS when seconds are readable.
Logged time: **3:49**
